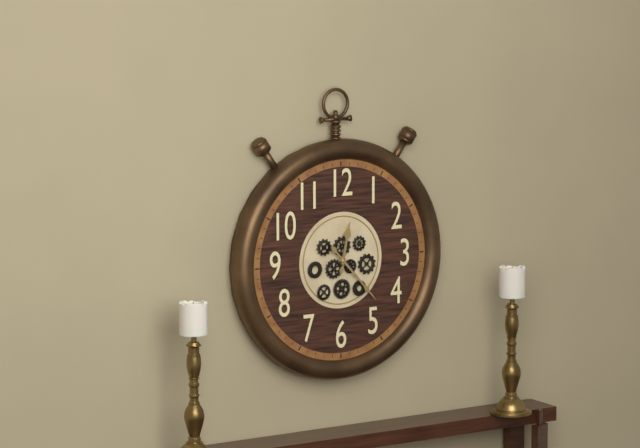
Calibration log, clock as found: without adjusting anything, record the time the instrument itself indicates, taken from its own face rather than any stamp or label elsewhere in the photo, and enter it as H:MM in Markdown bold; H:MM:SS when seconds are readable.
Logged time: **12:23**
